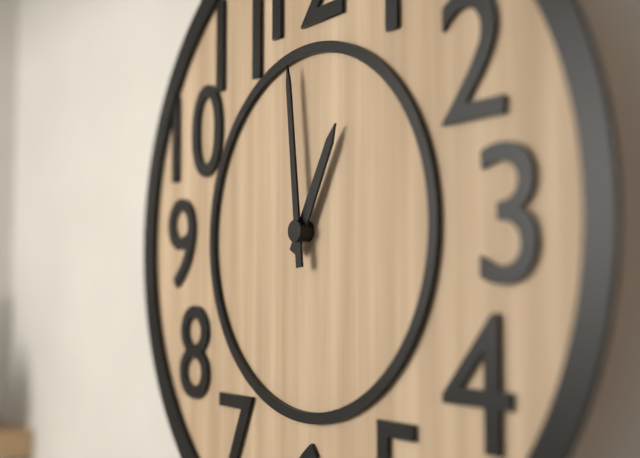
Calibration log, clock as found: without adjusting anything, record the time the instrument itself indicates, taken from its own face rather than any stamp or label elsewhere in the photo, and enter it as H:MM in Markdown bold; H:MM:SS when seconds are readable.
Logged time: **12:59**
